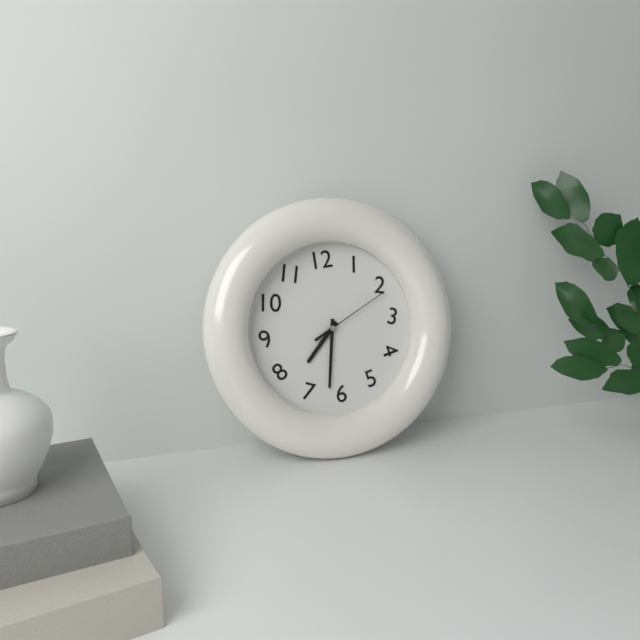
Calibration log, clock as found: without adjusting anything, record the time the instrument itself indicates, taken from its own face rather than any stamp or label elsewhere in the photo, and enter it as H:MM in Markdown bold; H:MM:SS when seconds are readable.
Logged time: **7:32:11**
